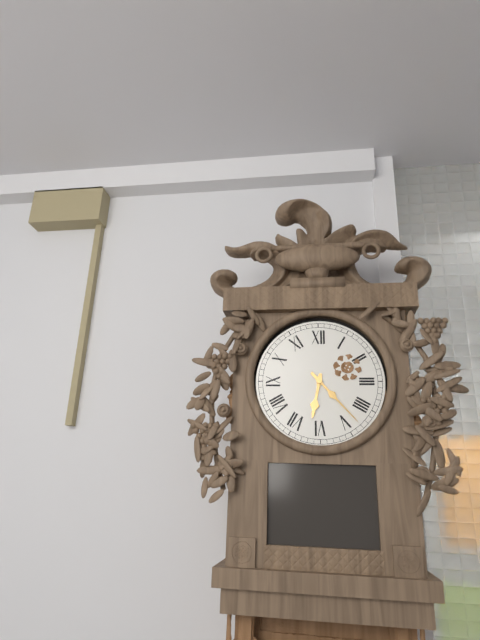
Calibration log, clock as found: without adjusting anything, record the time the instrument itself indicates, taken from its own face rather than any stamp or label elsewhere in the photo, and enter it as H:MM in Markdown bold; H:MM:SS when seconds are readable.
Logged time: **6:23**
